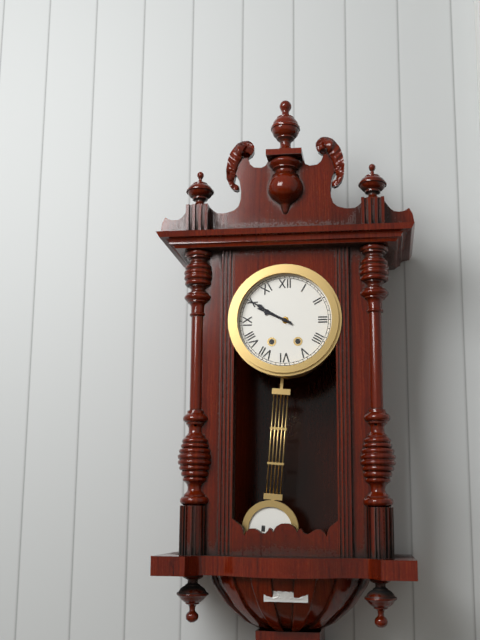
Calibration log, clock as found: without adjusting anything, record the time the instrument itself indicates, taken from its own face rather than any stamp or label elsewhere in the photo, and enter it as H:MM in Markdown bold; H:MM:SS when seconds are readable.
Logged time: **9:50**
